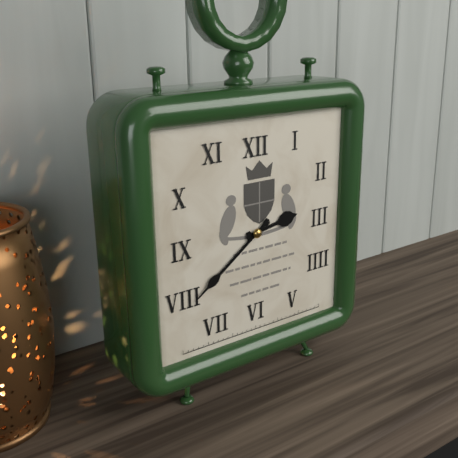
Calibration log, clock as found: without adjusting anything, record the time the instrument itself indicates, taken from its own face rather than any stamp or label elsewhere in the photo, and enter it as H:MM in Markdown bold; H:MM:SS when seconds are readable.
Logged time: **2:39**
